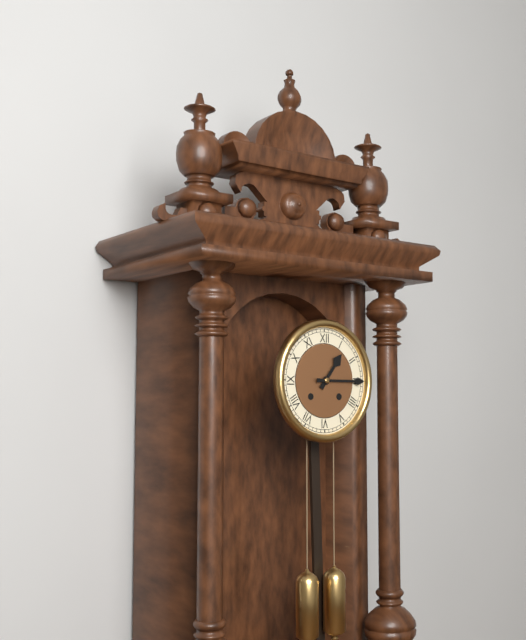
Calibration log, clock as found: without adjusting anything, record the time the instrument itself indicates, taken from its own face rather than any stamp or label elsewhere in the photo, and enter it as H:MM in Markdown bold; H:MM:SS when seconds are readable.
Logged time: **1:15**
